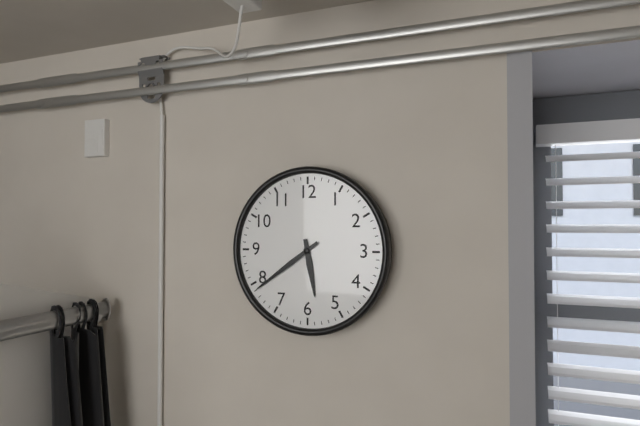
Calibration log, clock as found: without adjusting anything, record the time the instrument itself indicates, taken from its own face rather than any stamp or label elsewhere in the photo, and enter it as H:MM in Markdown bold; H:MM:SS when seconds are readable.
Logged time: **5:39**
